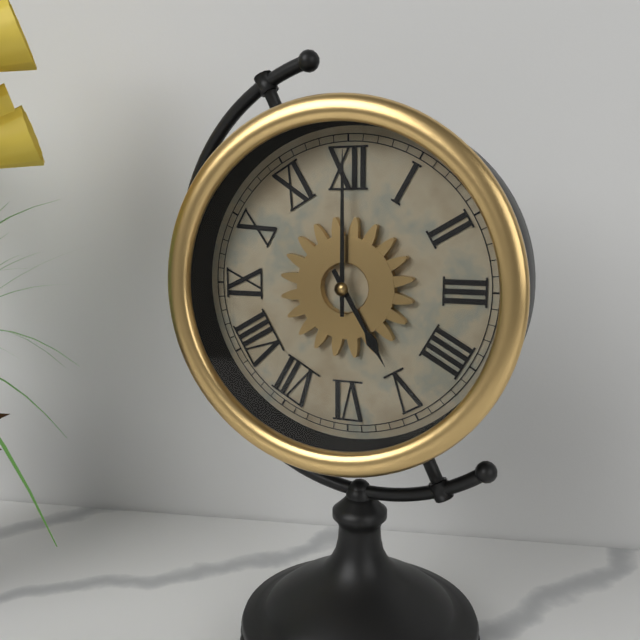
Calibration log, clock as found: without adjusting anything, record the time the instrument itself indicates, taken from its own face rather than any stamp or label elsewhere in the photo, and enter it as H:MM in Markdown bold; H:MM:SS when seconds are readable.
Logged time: **5:00**
